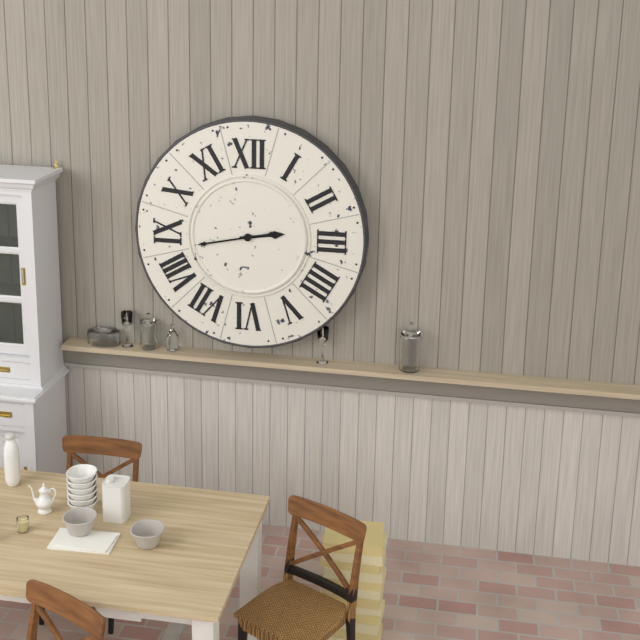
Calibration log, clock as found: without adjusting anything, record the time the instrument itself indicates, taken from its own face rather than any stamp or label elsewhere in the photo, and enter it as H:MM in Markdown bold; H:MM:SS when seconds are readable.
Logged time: **2:43**
